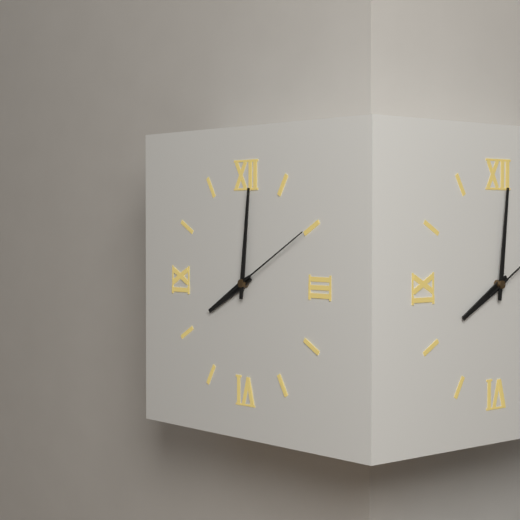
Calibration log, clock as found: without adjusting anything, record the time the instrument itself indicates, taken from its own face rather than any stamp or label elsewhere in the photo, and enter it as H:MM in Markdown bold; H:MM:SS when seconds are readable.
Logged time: **8:01:10**
